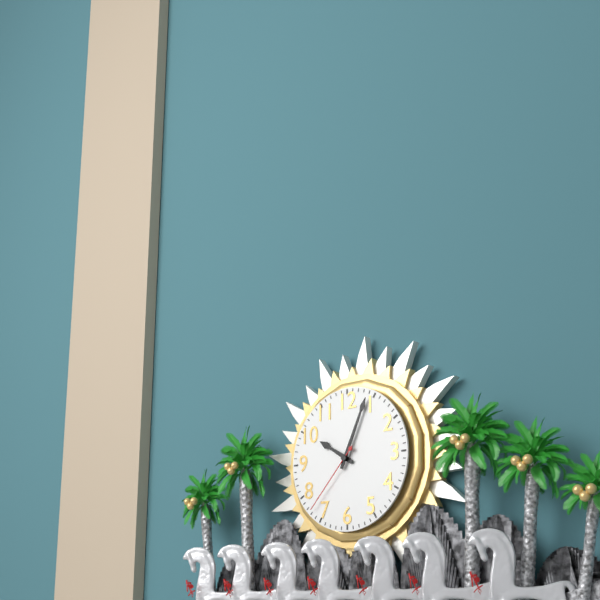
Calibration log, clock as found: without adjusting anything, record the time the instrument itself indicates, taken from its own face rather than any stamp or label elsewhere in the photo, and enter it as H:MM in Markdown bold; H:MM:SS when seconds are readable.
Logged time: **10:04:37**
